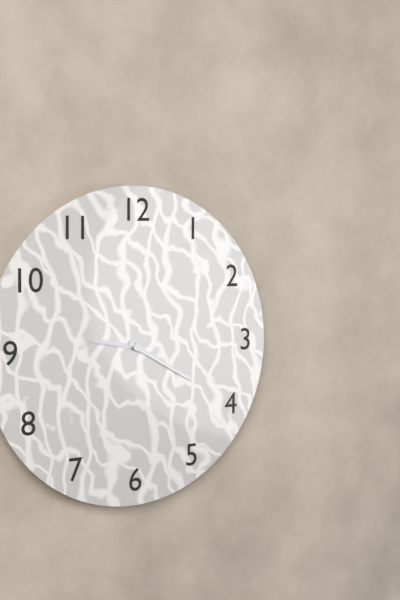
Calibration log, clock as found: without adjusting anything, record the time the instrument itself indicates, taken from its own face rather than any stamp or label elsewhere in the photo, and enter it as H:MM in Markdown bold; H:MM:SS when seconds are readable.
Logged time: **9:20**
